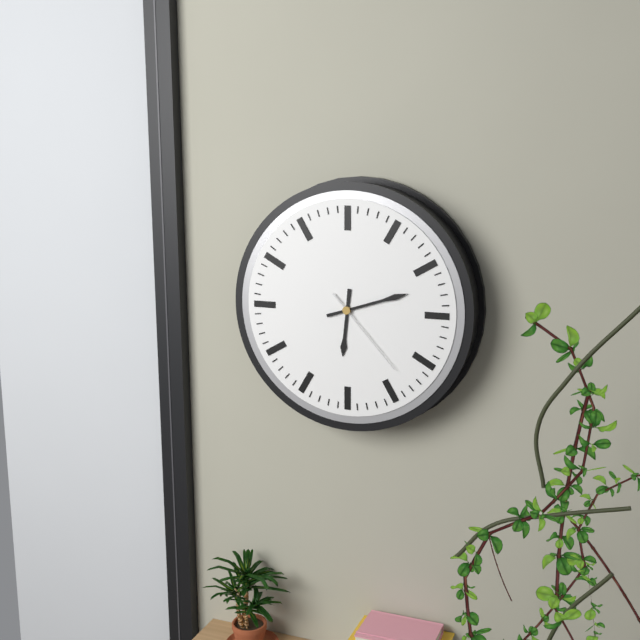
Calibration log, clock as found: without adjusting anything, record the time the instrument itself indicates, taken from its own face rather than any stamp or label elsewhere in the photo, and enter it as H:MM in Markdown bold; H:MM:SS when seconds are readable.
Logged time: **6:12:23**
